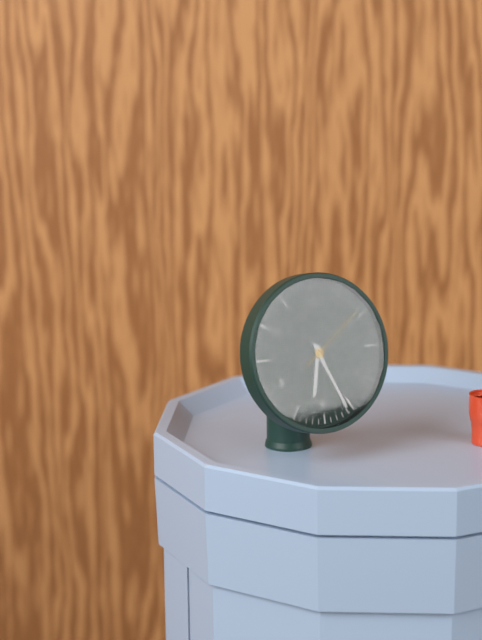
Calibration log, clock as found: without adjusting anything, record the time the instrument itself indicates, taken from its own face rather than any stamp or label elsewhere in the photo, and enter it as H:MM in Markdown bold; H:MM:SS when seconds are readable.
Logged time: **6:26:09**
